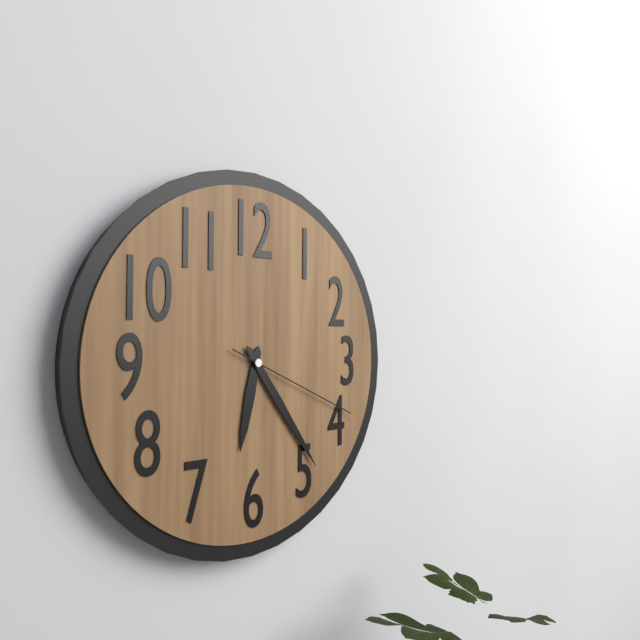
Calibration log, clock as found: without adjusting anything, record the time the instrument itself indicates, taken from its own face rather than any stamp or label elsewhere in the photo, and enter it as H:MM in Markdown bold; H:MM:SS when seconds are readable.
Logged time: **6:24:19**
